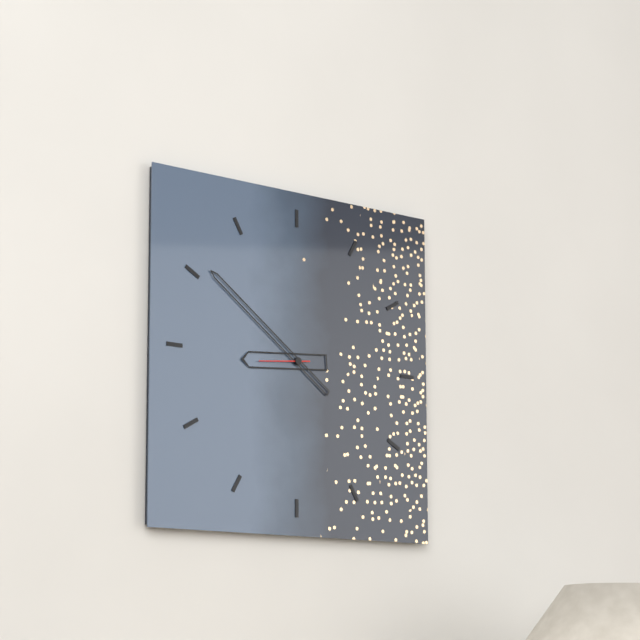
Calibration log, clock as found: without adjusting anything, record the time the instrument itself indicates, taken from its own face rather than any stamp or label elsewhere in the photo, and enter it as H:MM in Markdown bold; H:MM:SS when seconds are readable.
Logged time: **8:51**
